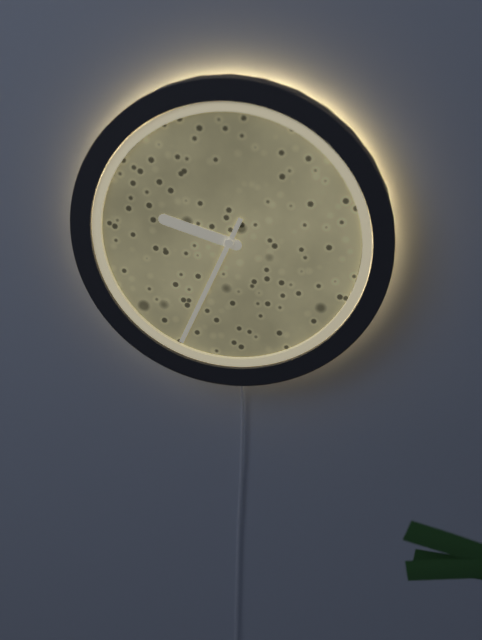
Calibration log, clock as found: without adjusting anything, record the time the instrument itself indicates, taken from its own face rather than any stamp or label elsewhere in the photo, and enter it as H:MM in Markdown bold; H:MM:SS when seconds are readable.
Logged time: **9:34**
